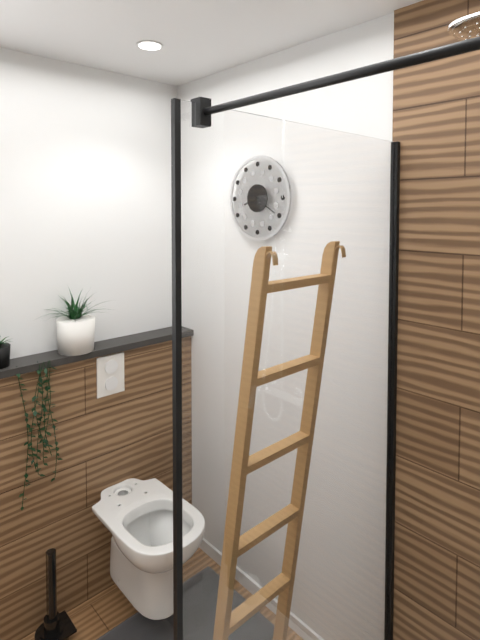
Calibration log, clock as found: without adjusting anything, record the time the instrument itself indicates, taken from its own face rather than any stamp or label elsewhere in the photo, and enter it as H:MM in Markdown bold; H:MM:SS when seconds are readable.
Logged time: **8:20**
